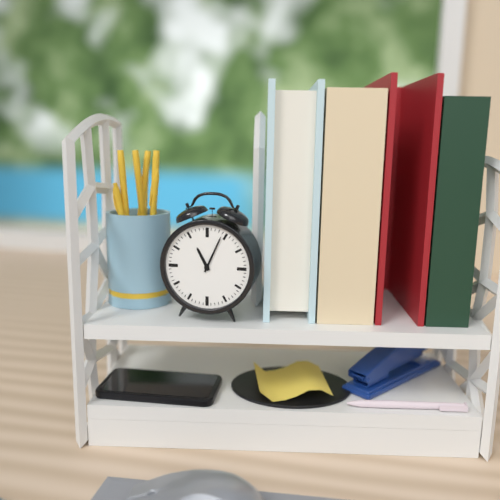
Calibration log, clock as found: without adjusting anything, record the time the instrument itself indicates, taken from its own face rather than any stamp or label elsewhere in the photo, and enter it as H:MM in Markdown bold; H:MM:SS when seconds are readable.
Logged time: **11:04**
